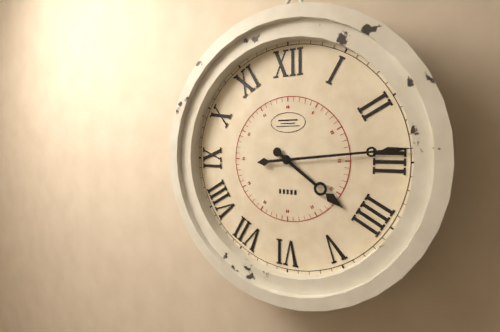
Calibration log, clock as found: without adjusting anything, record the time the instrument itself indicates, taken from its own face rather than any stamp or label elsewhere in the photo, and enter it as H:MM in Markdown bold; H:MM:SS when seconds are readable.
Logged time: **4:14**
